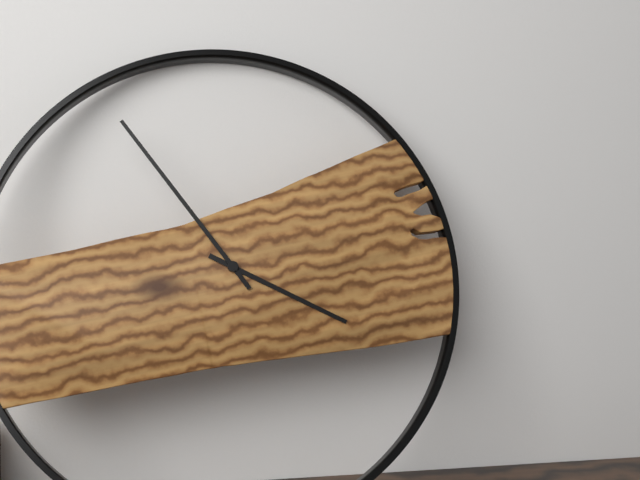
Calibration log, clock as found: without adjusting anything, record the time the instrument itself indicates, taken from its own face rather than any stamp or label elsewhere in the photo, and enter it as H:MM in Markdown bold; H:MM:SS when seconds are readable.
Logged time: **3:54**
